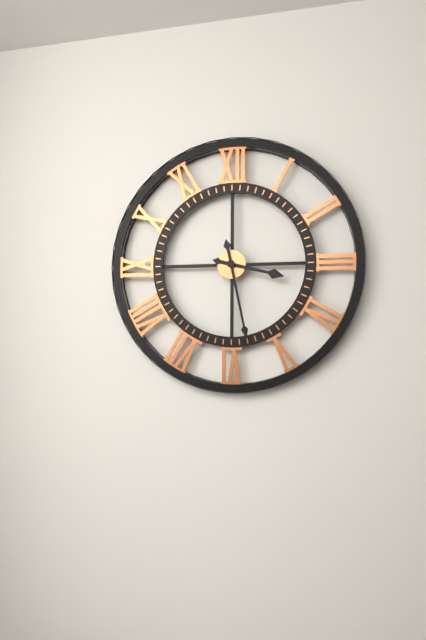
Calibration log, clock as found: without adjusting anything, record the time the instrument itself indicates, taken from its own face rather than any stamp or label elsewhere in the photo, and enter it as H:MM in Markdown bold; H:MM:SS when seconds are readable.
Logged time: **3:28**
